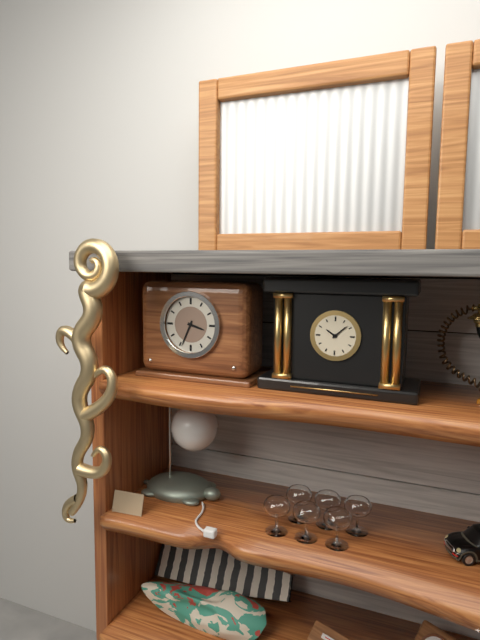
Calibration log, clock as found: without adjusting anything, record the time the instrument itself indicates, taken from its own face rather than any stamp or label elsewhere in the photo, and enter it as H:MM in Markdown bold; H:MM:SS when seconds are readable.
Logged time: **3:34**
